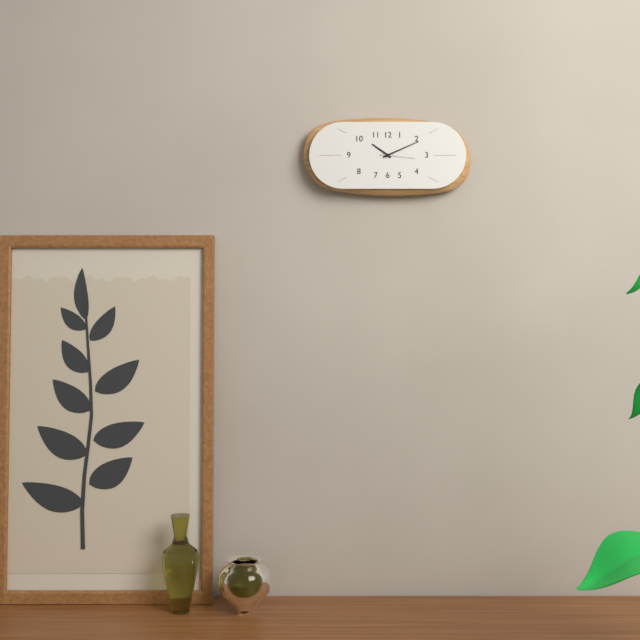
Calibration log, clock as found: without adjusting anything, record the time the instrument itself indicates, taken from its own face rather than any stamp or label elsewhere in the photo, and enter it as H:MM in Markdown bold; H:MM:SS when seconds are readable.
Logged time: **10:11**
